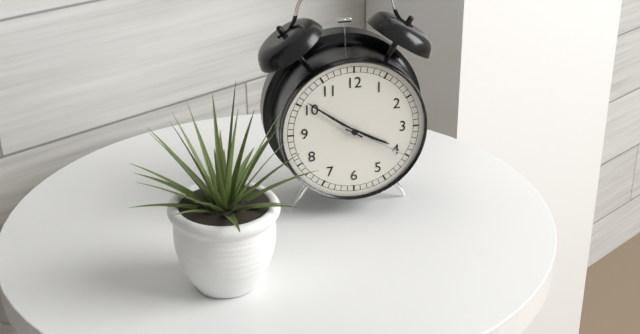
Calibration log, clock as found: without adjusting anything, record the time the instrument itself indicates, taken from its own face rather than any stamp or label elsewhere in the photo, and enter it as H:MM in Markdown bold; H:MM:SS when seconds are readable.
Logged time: **3:51:20**
